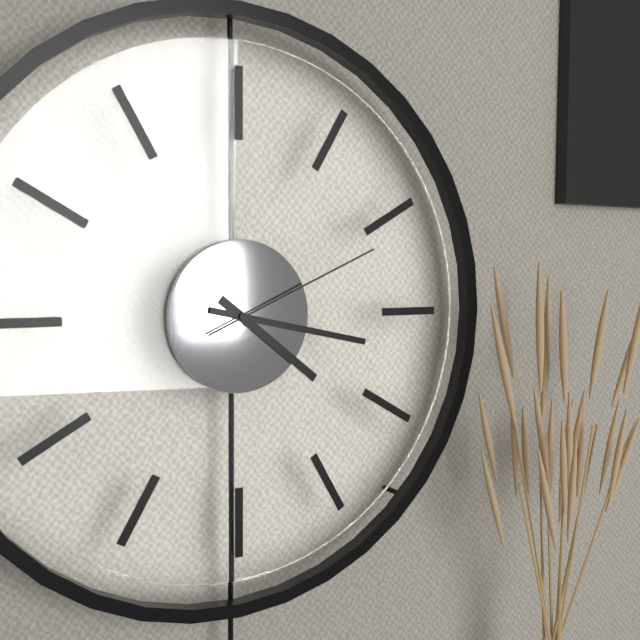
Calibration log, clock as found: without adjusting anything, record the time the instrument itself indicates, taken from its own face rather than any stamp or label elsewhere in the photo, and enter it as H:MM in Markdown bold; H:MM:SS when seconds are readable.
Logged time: **4:17:11**
